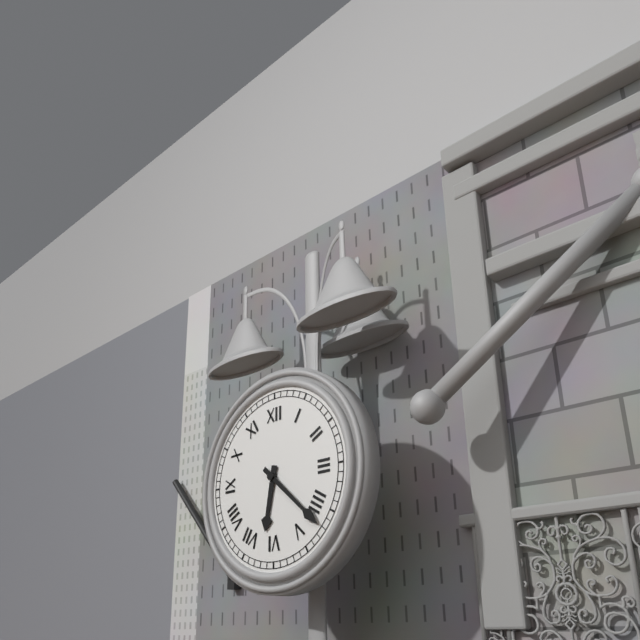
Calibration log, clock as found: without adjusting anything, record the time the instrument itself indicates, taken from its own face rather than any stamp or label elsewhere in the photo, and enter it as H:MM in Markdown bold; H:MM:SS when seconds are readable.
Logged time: **6:22**
